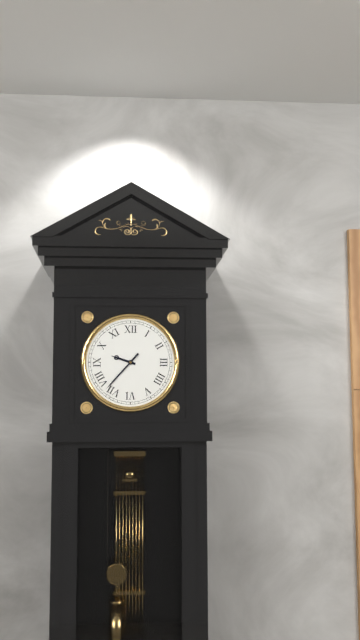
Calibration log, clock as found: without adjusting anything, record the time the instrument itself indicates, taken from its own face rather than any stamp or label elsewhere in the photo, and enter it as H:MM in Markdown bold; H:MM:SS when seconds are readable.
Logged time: **9:37**
